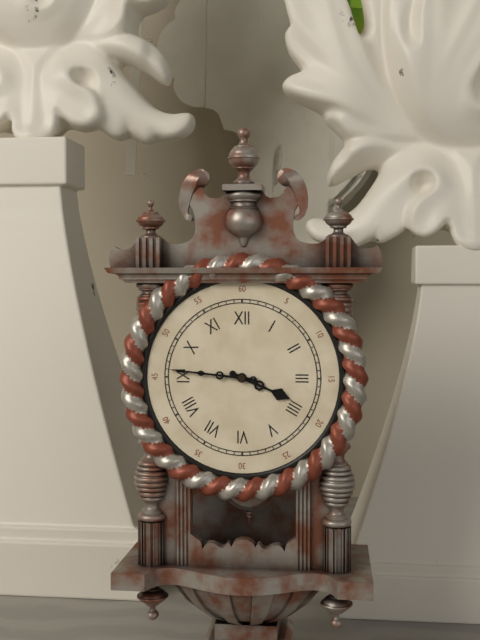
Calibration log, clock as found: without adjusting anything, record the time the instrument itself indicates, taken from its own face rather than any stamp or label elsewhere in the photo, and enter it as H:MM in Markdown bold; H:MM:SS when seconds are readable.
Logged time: **3:46**
